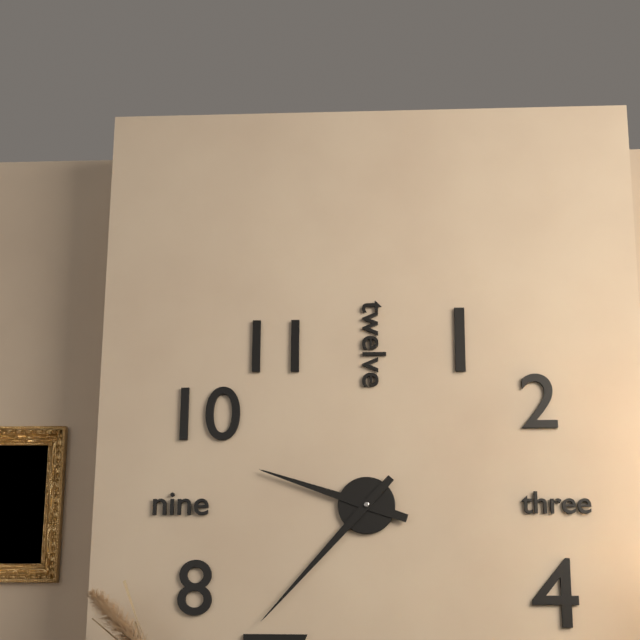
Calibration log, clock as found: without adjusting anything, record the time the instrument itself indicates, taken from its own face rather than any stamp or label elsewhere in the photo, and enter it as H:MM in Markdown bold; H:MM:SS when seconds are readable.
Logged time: **9:37**
